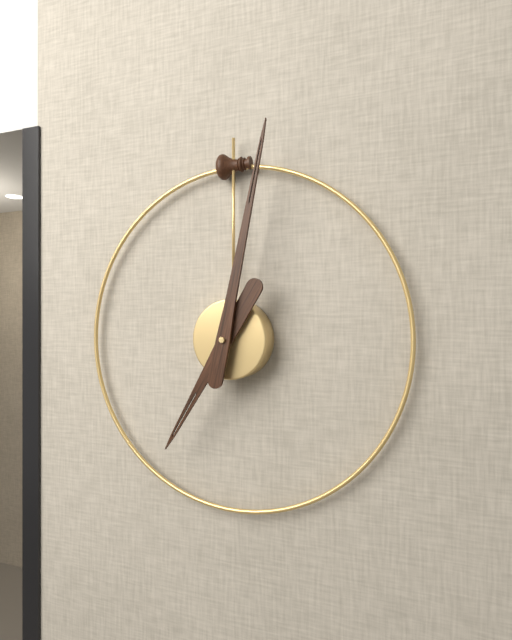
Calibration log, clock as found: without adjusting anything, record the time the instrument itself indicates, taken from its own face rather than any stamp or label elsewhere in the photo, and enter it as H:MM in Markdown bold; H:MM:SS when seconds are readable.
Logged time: **7:02**
